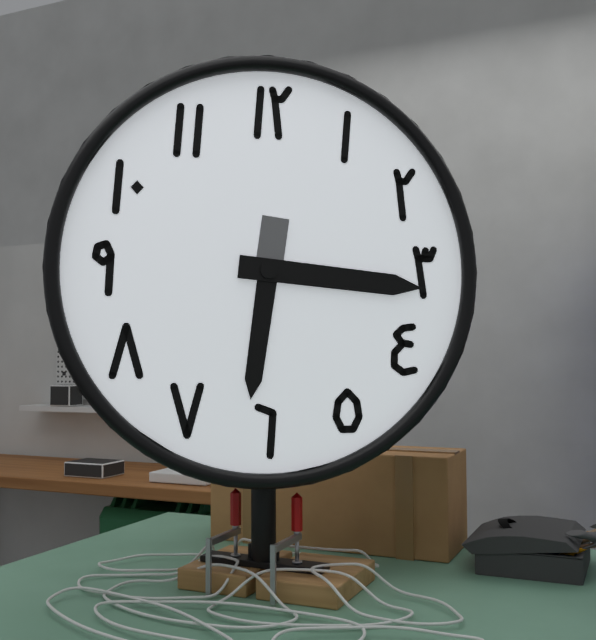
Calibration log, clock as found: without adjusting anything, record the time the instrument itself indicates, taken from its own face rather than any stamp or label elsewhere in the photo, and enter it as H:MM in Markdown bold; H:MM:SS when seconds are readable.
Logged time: **6:16**
